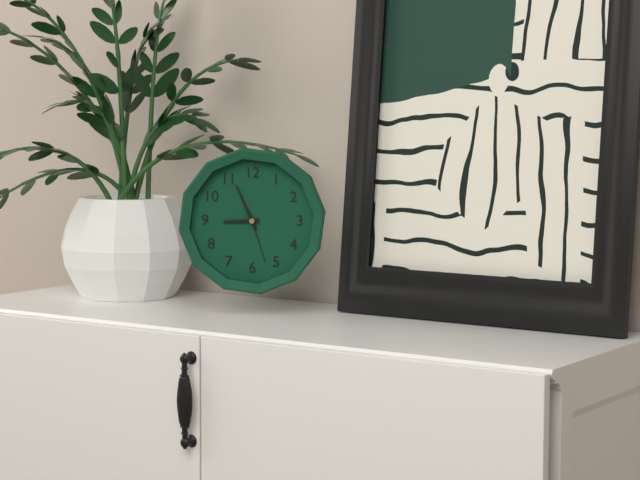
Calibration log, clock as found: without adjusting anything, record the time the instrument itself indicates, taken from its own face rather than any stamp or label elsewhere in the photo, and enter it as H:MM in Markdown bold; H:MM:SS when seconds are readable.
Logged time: **8:56:27**
